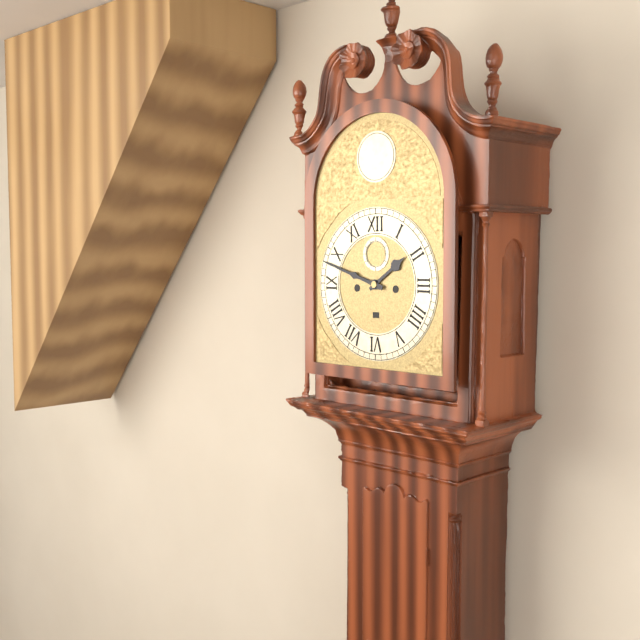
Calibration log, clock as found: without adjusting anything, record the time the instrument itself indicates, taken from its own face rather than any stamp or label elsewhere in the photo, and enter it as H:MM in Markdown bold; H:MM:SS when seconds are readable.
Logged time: **1:48**
